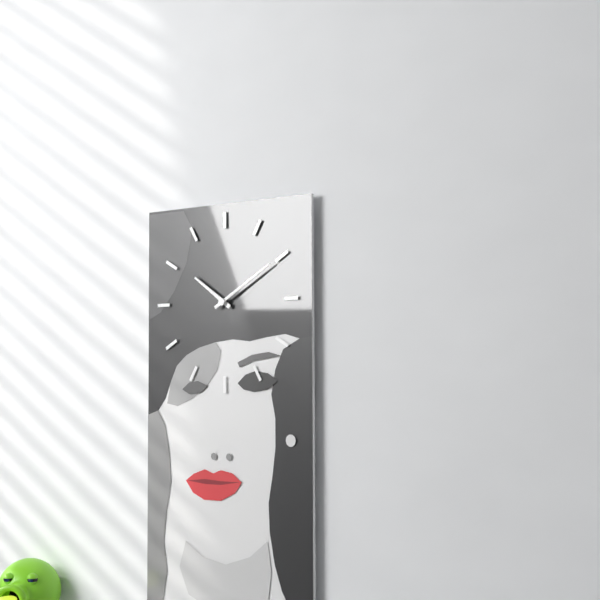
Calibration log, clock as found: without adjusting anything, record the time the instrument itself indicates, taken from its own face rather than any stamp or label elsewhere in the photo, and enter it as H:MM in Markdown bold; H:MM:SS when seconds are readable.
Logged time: **10:10**
